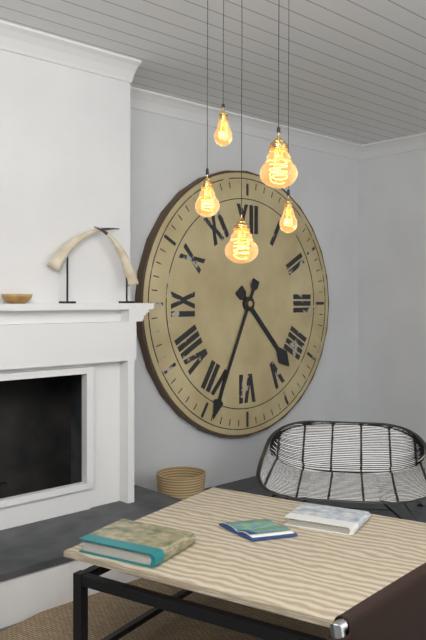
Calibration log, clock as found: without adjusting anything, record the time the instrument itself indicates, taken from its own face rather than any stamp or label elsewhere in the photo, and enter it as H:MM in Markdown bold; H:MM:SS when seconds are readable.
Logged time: **4:34**
